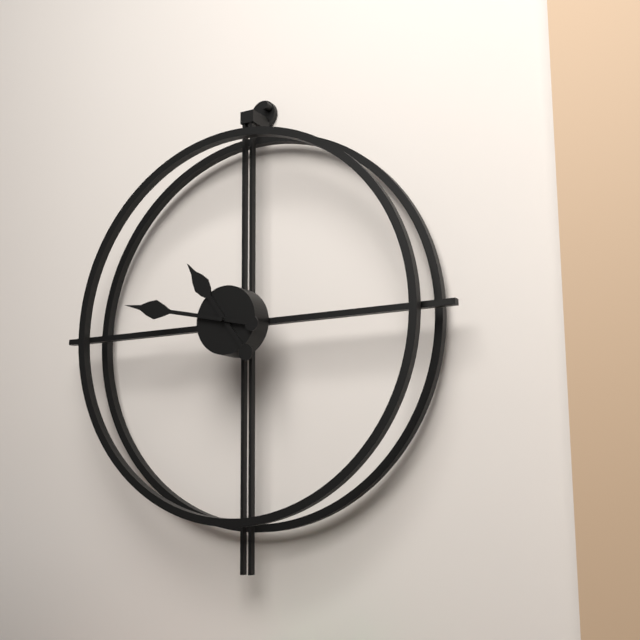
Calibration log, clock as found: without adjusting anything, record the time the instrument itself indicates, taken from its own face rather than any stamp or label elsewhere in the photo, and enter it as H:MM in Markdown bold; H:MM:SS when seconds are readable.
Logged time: **10:47**
